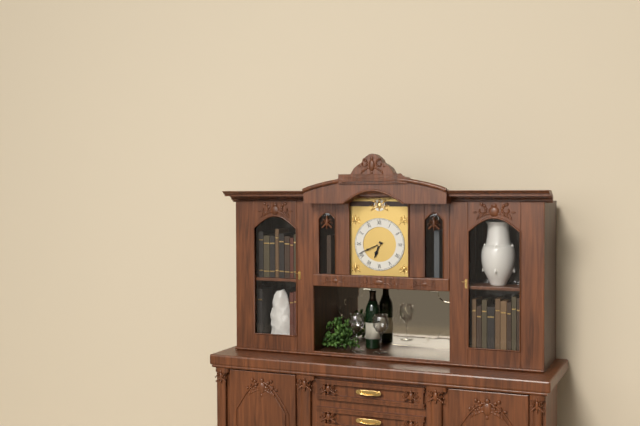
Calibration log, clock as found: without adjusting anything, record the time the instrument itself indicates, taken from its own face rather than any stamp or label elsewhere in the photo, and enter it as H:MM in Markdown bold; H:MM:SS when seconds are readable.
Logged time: **6:41**
